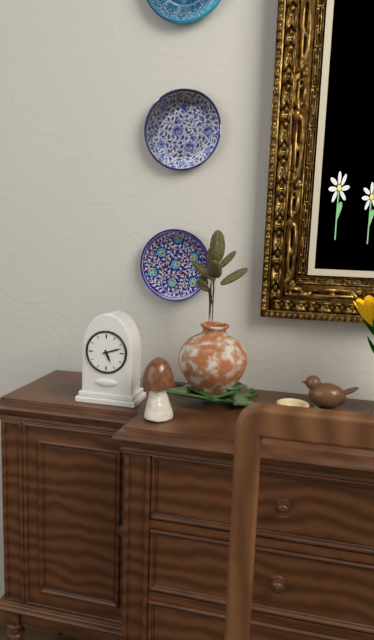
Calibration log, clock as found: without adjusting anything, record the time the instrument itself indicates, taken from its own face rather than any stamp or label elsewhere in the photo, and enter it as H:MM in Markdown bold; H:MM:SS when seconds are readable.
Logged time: **5:12**
